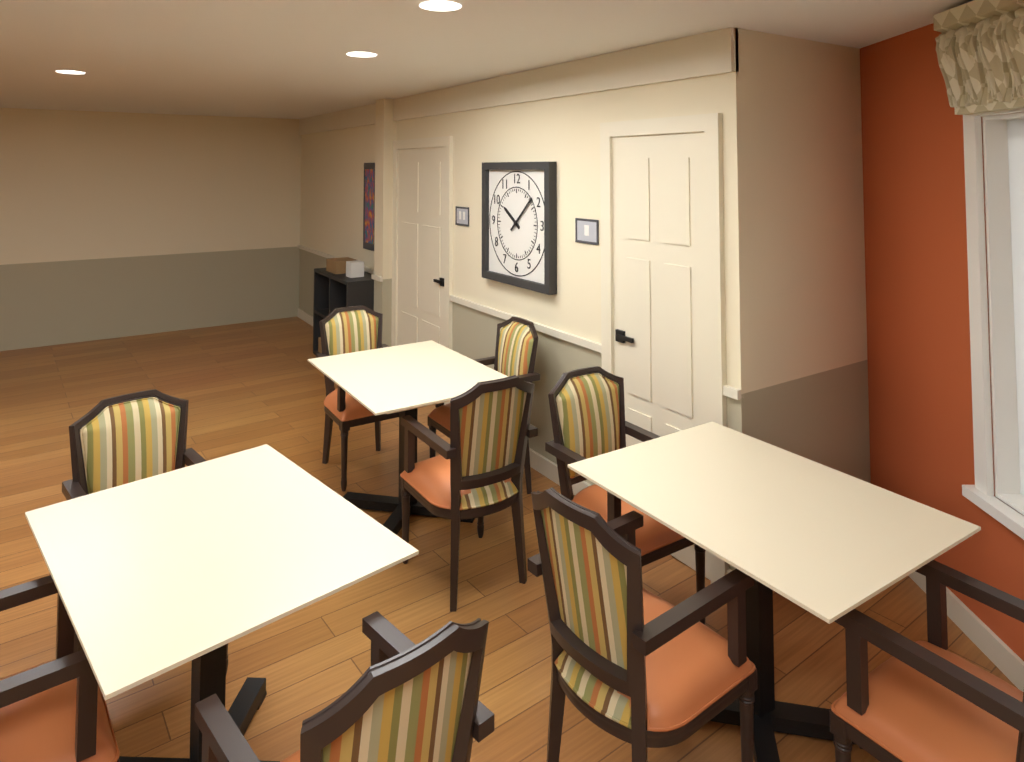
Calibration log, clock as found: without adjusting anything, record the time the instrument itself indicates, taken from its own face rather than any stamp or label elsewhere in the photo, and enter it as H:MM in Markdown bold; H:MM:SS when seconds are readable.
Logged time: **10:08**
